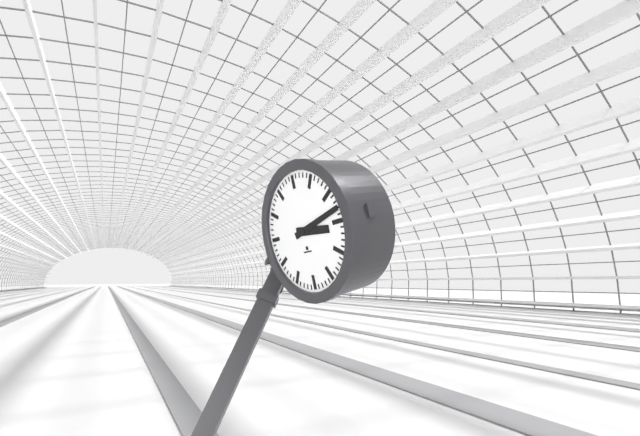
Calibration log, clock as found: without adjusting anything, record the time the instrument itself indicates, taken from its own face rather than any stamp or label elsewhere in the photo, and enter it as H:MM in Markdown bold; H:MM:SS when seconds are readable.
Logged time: **3:13**
